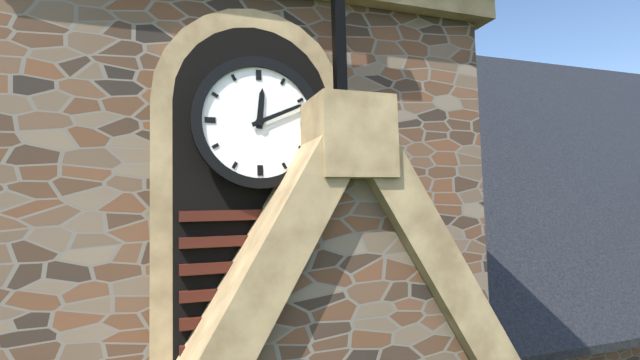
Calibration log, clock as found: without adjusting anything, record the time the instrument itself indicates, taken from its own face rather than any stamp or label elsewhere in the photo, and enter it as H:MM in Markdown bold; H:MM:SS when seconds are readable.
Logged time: **12:11**
